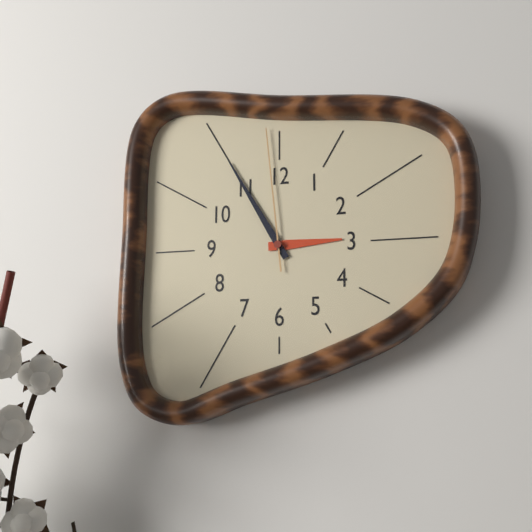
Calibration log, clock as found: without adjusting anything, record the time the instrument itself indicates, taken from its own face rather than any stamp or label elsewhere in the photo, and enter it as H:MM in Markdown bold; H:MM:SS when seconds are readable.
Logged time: **2:55:59**
